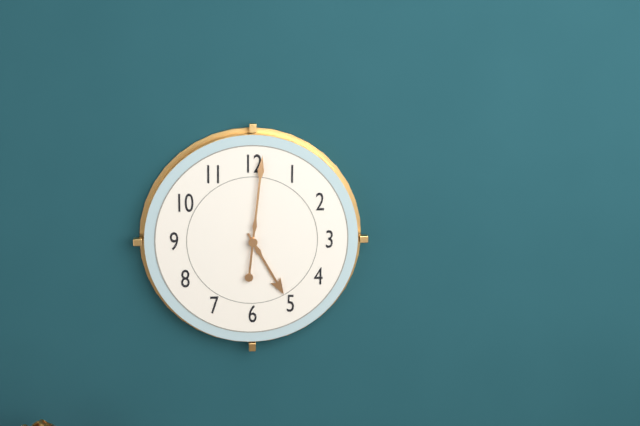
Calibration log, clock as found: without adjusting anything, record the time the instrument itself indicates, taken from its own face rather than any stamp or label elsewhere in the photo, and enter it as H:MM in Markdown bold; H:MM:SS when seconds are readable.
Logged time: **5:01**
